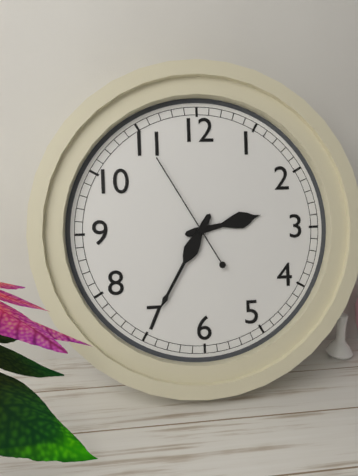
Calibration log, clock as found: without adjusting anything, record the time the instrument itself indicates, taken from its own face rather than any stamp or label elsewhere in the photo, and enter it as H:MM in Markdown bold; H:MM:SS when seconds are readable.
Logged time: **2:35:55**
